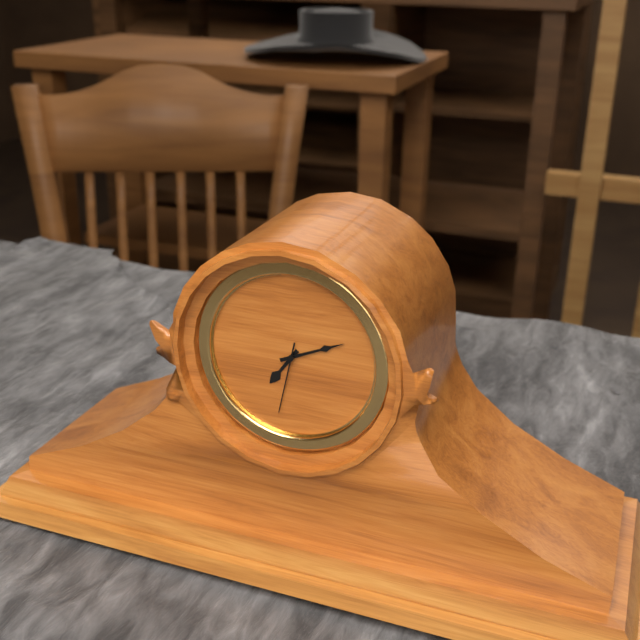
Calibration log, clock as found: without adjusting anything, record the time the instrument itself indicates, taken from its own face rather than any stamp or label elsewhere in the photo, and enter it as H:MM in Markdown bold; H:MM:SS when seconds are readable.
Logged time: **7:11:32**
